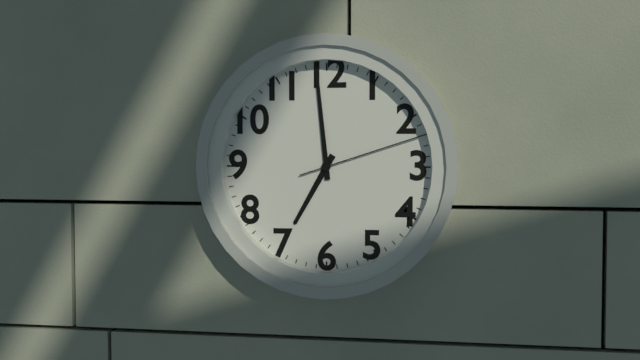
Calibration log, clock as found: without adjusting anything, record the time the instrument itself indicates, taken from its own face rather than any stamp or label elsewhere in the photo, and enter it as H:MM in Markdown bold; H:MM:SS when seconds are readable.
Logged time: **6:59:12**
